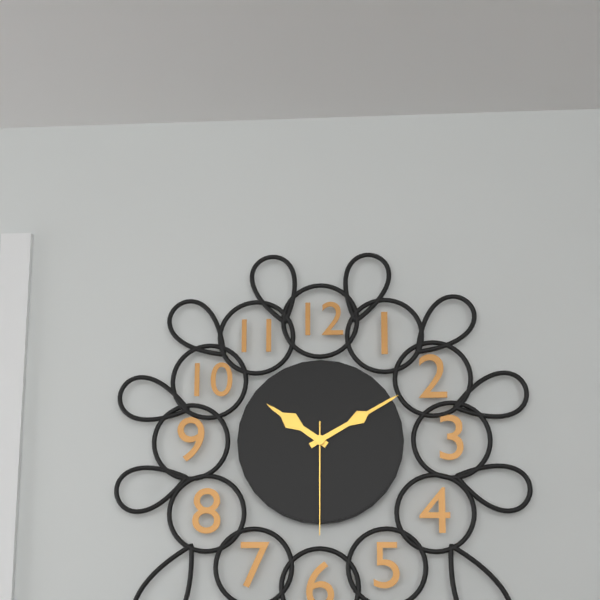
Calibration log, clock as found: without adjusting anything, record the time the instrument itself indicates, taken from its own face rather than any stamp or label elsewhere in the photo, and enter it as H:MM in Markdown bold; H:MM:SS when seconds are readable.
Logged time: **10:10:30**
